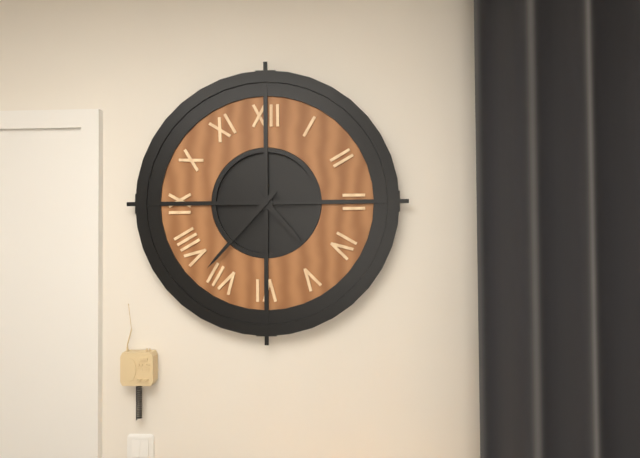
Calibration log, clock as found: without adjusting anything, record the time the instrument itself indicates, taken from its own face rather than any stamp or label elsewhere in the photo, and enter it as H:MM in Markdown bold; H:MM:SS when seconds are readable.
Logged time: **4:37**
